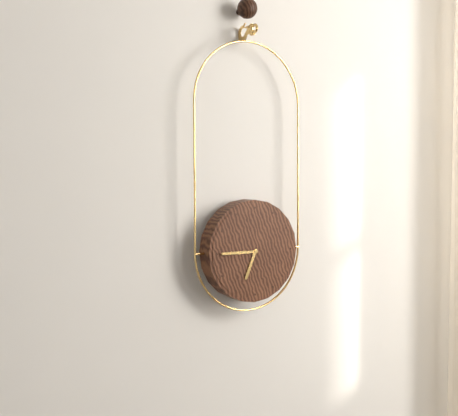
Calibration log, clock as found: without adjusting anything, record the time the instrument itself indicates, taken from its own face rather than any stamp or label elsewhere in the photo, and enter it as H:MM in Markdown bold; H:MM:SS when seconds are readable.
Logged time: **6:45**
